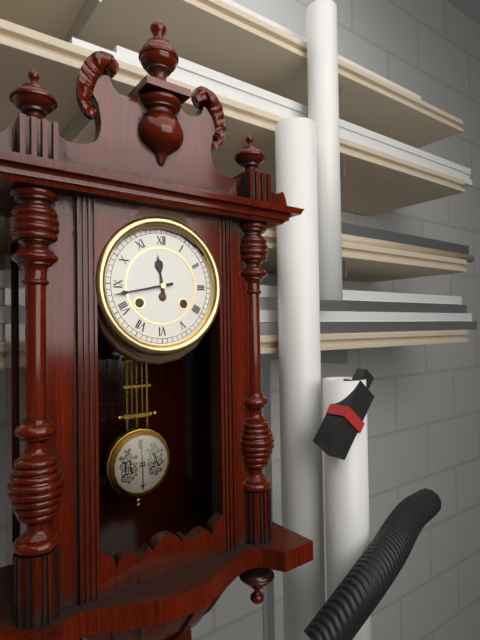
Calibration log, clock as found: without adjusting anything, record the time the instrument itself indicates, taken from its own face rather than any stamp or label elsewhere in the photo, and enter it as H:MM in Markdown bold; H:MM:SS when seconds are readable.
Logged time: **11:43**
